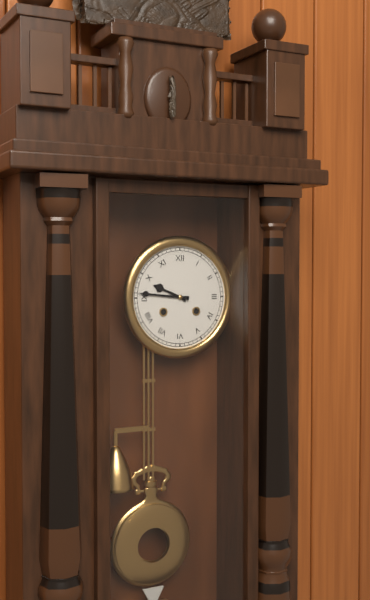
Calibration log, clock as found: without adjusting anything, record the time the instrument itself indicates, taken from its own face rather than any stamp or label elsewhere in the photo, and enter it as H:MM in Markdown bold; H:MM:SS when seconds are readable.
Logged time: **9:46**
